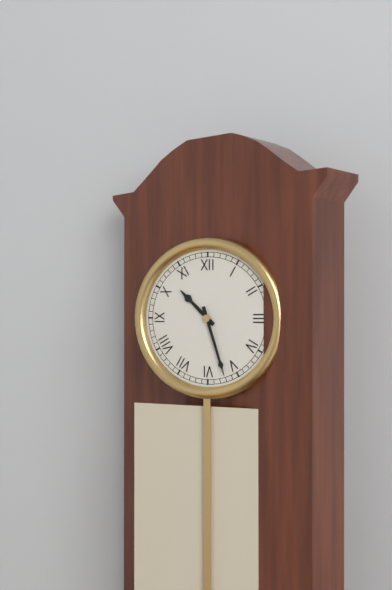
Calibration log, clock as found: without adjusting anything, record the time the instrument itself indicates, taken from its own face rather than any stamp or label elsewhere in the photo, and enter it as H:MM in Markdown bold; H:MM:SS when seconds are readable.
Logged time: **10:27**
